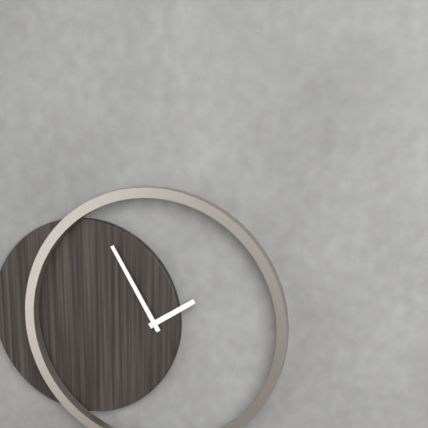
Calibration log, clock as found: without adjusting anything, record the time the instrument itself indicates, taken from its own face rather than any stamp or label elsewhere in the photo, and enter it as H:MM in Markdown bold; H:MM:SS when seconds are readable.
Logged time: **1:55**
